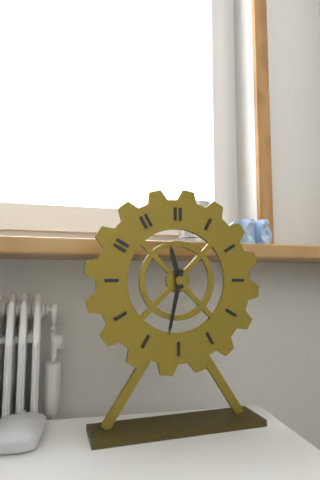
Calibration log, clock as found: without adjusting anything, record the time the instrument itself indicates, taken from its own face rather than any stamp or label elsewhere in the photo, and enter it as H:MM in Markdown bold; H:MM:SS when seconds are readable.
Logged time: **11:32**
